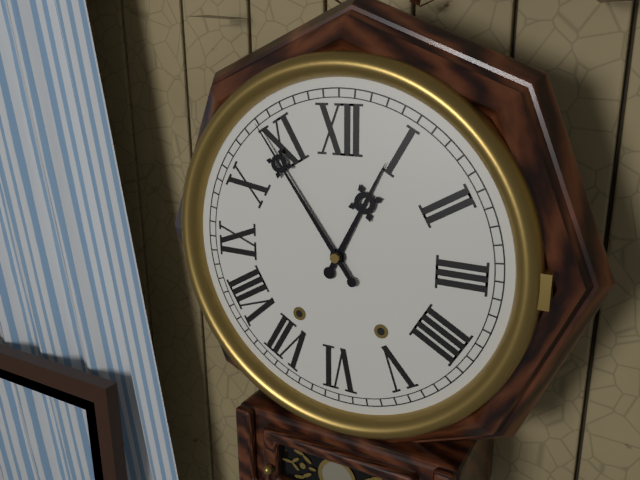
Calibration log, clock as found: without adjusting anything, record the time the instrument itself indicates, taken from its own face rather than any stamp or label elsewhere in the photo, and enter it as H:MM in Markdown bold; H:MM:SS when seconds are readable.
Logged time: **12:54**
